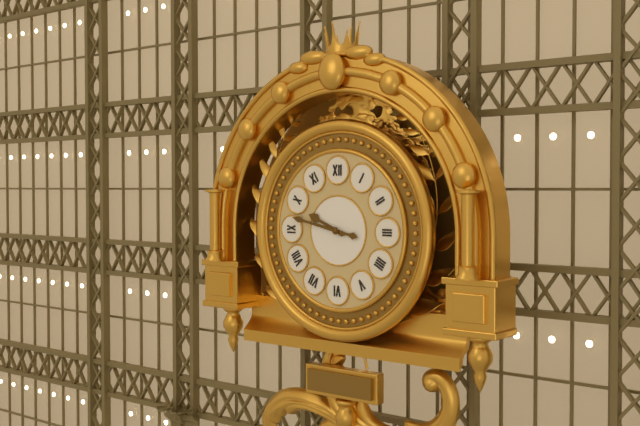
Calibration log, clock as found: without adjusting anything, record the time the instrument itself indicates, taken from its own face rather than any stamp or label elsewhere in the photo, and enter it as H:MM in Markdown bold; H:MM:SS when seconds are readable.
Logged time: **9:47**
